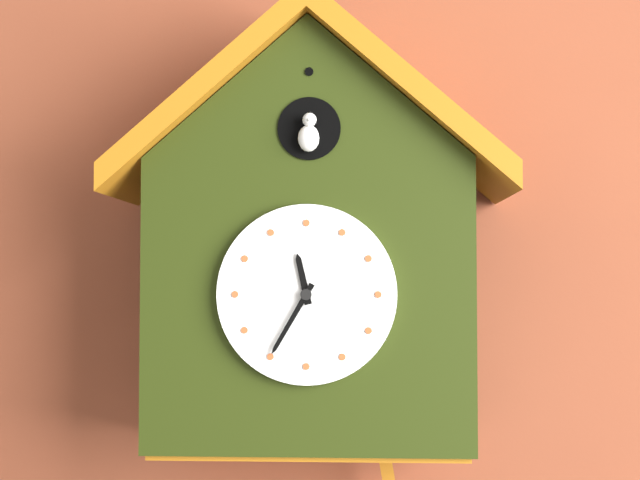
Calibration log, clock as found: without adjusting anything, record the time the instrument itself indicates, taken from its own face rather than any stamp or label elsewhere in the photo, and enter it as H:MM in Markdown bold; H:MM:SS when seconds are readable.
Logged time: **11:35**
